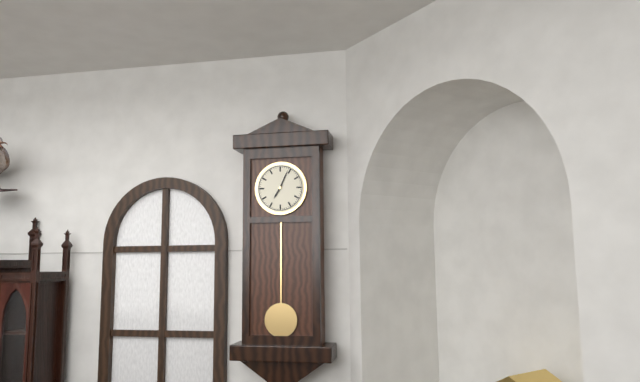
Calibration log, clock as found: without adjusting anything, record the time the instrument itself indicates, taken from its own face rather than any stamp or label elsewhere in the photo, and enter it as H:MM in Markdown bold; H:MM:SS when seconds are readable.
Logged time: **7:04**
